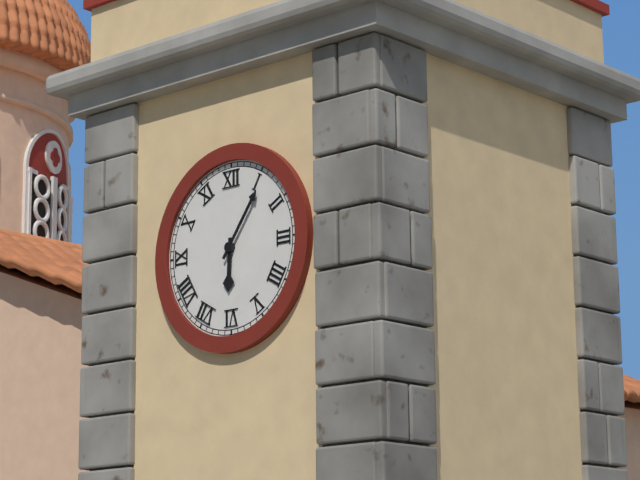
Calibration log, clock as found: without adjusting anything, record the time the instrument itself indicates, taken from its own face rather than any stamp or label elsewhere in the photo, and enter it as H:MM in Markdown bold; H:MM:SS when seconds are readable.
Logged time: **6:06**
